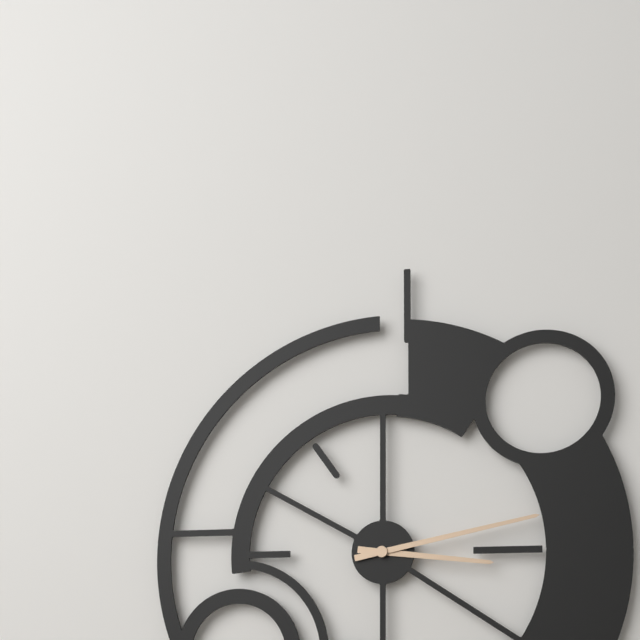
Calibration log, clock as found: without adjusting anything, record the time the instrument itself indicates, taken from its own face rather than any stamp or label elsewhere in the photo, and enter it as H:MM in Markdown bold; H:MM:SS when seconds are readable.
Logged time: **3:13**
